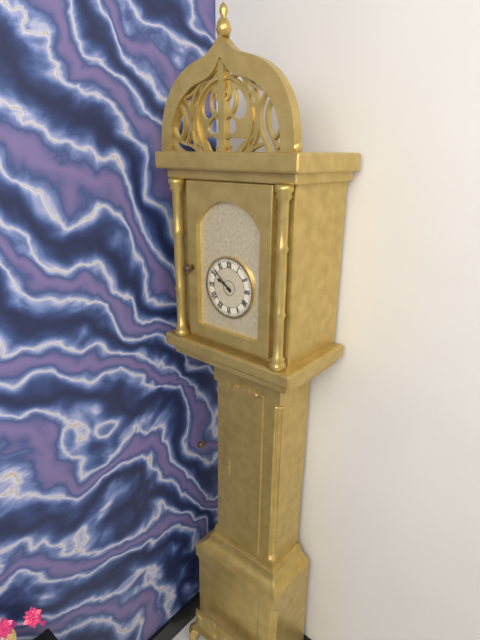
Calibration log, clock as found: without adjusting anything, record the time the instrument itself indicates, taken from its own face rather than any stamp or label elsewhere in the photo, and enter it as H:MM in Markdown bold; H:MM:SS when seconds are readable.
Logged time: **9:52**
